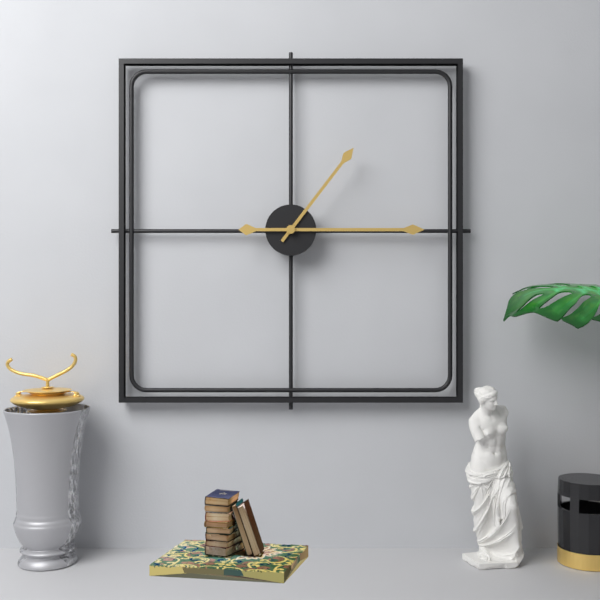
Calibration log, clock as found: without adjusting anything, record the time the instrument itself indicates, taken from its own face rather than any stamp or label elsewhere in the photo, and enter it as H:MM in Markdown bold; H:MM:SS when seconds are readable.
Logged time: **1:15**
